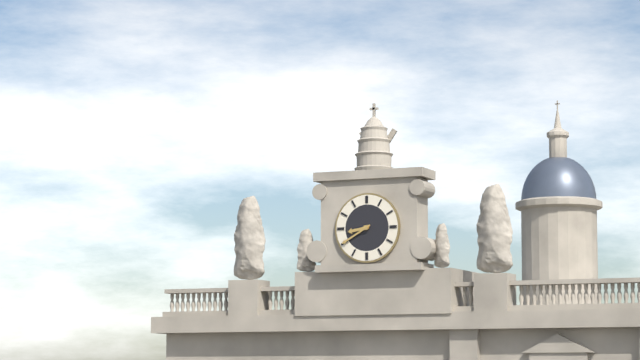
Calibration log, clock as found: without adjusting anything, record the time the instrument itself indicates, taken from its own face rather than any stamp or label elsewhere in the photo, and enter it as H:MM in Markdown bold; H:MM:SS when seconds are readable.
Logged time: **8:40**
